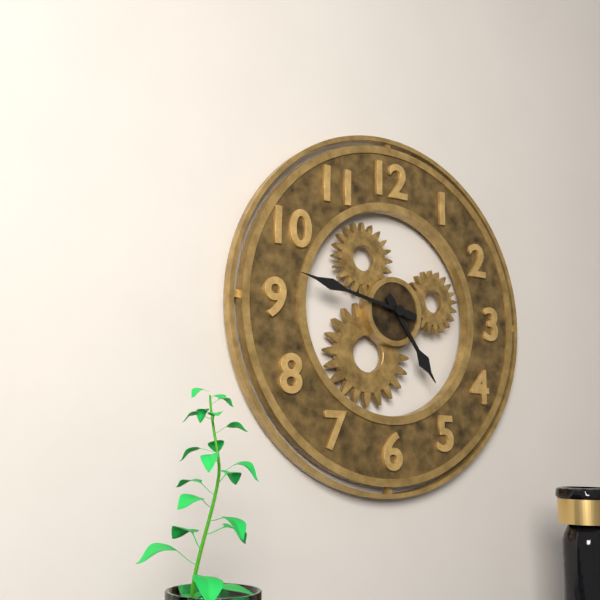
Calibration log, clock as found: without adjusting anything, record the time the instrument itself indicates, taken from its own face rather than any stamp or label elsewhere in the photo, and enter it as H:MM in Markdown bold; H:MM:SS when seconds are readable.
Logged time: **4:47**
